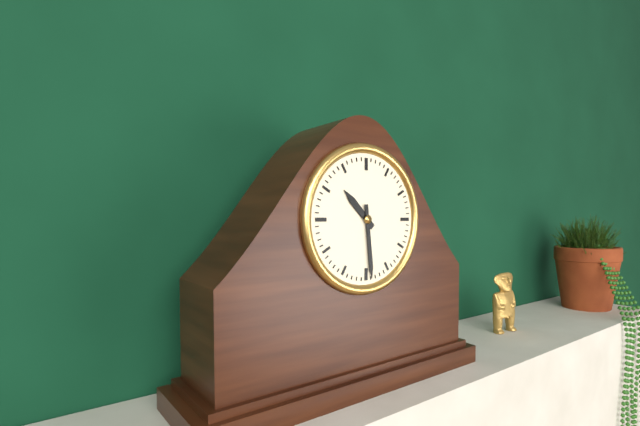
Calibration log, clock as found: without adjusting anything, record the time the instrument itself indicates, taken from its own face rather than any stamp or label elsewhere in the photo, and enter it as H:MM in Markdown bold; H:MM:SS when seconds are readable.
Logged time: **10:29**
